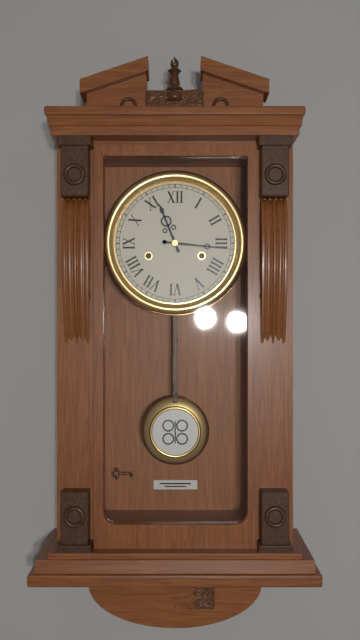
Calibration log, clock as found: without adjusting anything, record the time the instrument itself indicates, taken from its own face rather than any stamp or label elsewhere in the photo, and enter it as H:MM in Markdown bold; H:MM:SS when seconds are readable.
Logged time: **11:16**
